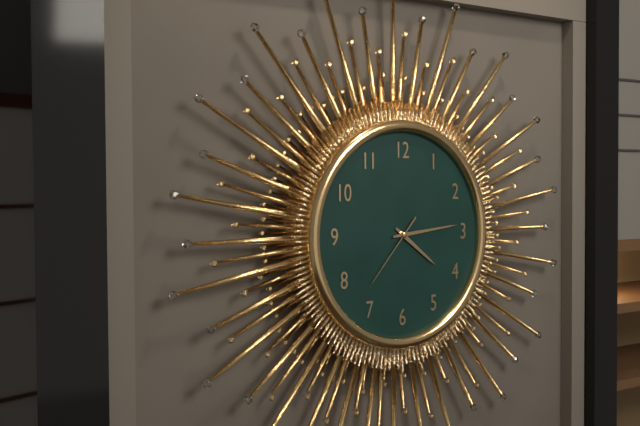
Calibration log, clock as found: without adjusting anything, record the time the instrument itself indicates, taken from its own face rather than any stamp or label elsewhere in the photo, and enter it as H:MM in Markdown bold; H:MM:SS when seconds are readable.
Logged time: **4:14:37**
